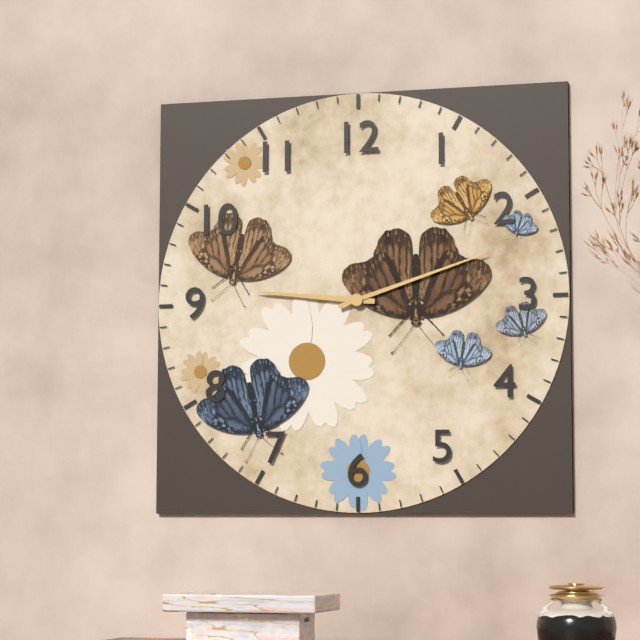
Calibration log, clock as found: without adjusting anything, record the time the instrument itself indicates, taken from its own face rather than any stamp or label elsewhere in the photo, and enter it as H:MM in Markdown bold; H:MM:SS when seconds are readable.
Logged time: **9:12**
